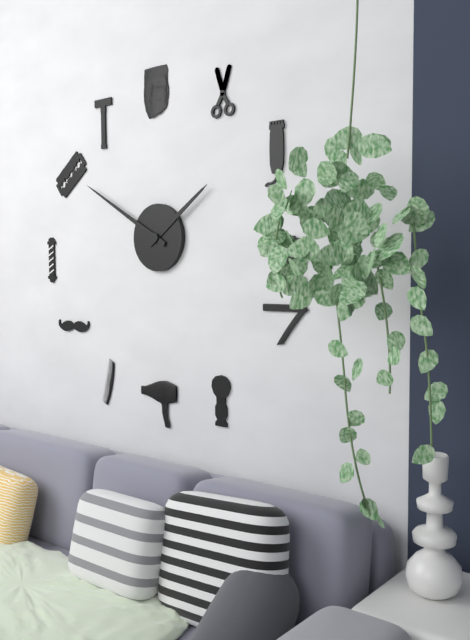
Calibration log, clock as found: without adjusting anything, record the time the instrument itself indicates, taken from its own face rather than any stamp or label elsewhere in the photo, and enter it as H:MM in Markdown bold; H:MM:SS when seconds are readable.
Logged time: **1:50**
